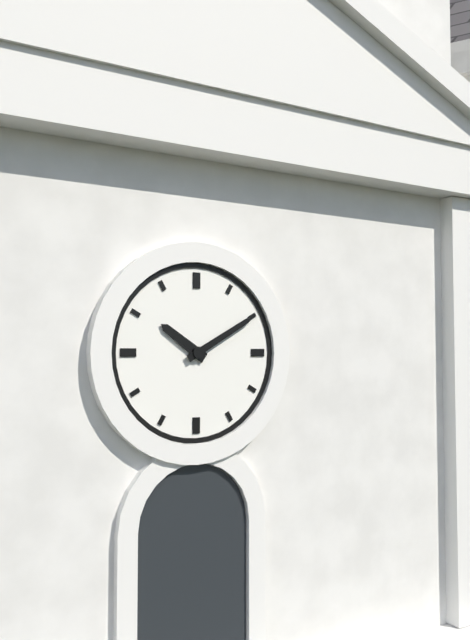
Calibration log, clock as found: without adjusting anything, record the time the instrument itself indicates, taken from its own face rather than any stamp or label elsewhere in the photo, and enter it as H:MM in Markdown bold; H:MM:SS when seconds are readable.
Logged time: **10:10**
